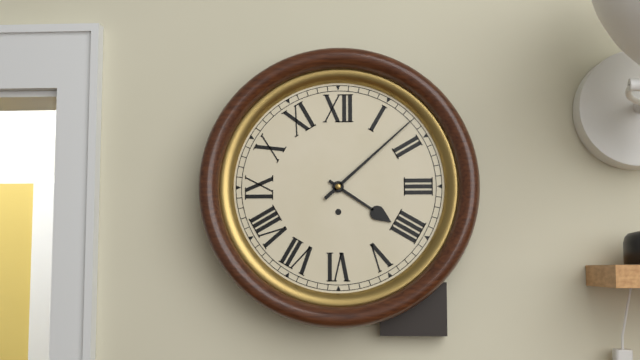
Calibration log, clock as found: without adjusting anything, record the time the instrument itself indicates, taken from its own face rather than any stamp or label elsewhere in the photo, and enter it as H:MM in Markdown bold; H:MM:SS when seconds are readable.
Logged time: **4:08**
